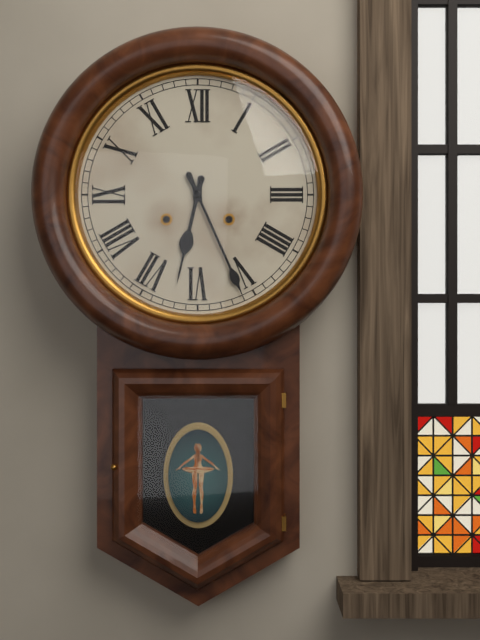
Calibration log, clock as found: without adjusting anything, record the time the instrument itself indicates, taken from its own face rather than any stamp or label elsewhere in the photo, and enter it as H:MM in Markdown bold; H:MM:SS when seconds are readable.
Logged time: **6:26**
